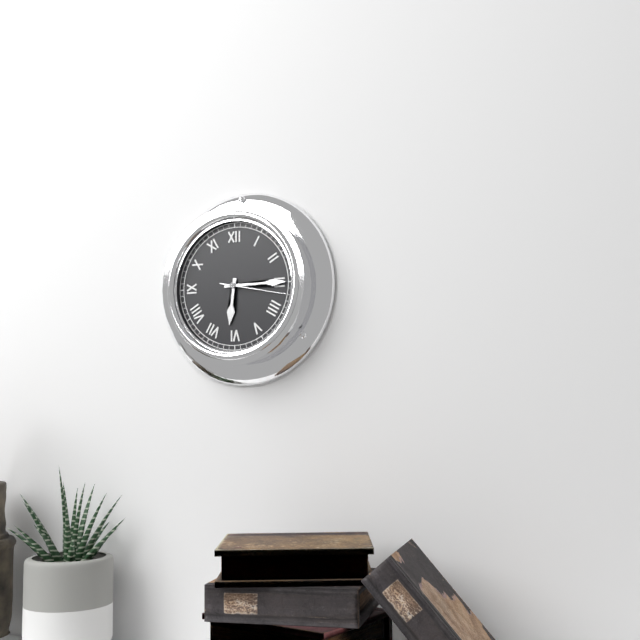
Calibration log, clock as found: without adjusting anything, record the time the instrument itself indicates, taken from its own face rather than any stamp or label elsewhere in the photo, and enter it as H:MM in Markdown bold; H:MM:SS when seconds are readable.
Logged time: **6:15**
